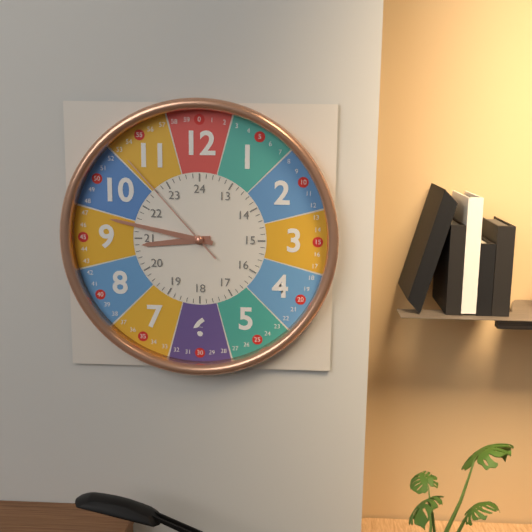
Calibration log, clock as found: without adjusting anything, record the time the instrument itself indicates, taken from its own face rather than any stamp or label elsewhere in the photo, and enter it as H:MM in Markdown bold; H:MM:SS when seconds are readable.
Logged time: **8:47:53**
